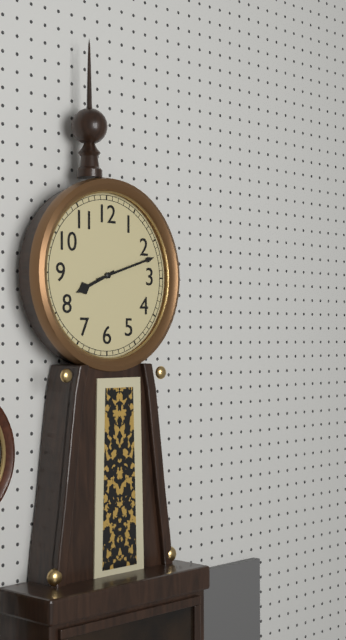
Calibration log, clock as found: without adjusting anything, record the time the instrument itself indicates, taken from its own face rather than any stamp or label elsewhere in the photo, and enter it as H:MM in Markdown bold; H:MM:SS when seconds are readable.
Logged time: **8:12**
